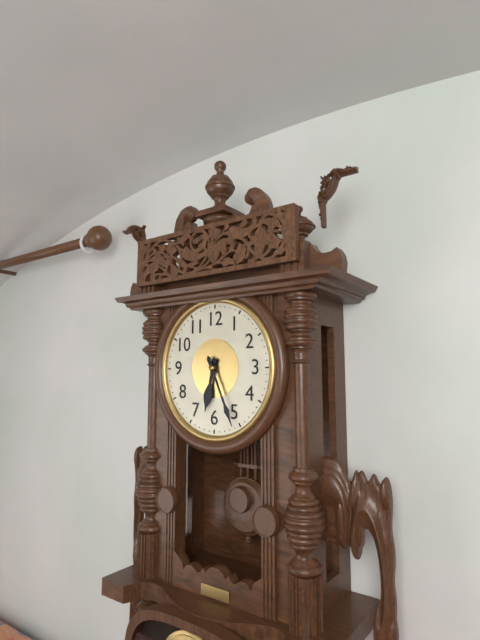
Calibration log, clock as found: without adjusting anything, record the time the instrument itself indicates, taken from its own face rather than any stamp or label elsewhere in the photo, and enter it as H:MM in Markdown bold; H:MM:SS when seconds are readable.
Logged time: **6:26**
